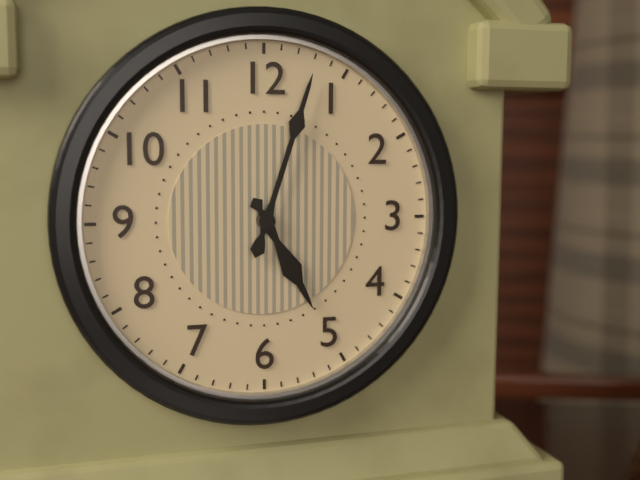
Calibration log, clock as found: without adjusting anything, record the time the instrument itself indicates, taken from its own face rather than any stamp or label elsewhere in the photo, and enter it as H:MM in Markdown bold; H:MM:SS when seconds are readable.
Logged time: **5:03**
